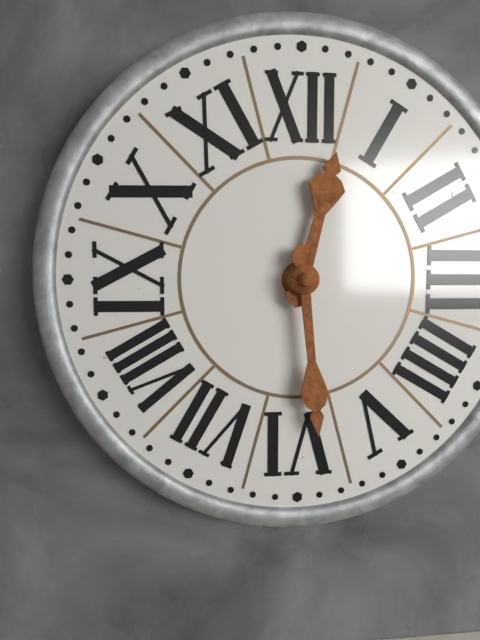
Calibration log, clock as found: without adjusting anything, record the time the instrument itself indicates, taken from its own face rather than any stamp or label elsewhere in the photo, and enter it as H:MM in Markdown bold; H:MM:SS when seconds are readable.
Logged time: **12:29**
